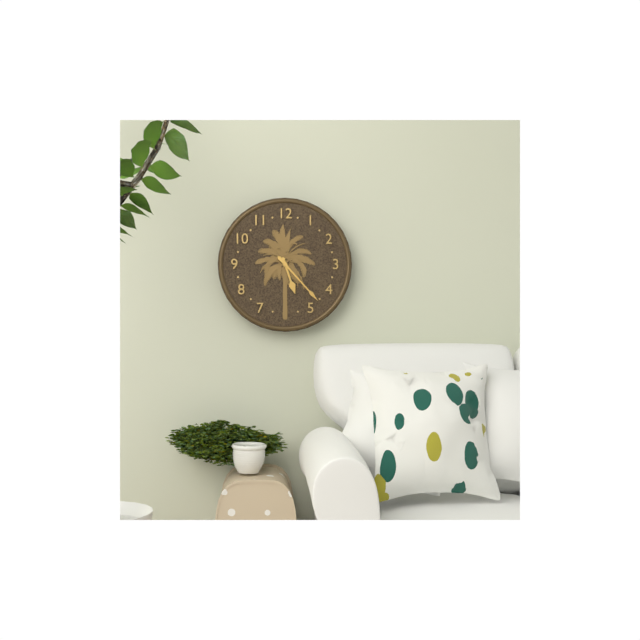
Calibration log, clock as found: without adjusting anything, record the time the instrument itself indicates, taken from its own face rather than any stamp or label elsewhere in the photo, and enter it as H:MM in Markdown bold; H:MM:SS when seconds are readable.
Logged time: **5:23**
